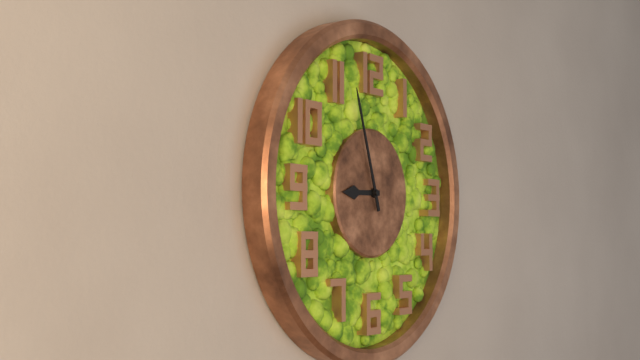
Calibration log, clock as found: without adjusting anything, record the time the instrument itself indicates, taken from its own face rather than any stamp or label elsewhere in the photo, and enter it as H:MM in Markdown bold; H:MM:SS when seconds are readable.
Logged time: **8:57**
